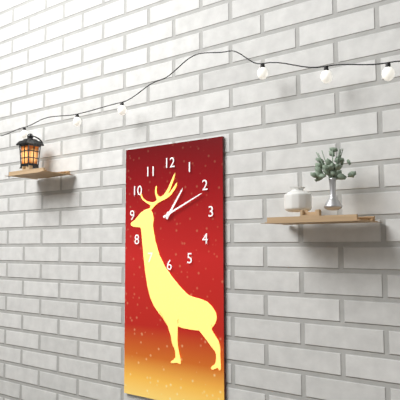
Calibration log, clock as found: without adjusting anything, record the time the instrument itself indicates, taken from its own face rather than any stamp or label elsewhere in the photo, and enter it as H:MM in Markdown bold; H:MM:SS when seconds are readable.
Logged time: **1:11**
